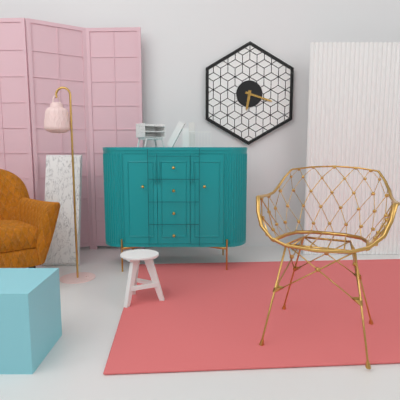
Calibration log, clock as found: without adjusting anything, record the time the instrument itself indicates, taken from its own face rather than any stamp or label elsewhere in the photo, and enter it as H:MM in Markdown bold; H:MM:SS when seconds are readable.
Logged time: **6:18**
